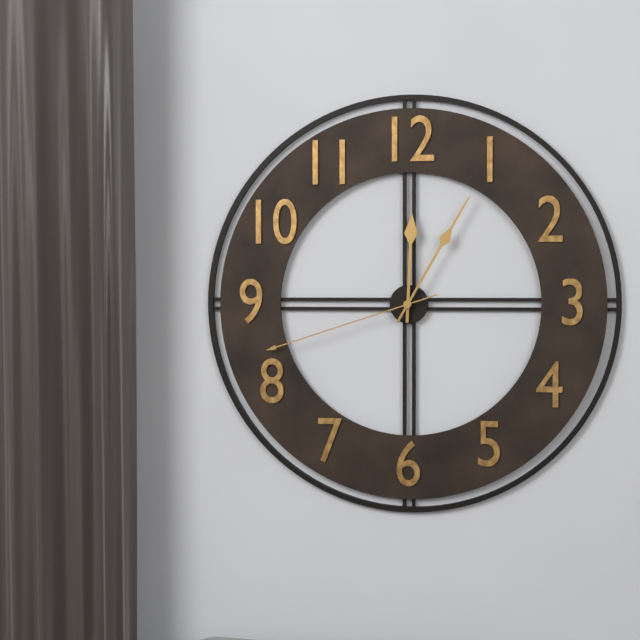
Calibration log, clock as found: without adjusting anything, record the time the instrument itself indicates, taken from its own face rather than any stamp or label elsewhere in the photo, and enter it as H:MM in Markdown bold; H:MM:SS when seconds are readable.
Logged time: **12:05:42**
